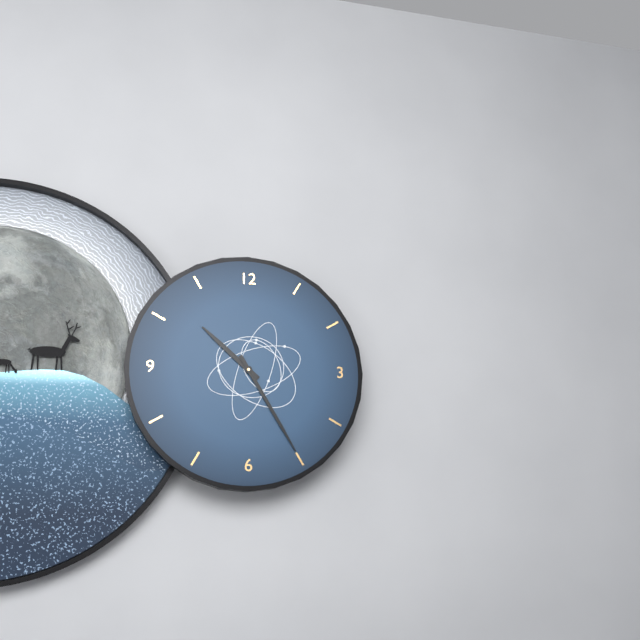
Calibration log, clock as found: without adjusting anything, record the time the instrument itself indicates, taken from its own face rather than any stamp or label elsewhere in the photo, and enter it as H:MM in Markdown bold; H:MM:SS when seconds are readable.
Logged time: **10:25**
